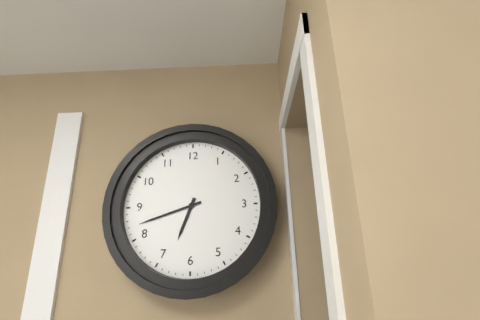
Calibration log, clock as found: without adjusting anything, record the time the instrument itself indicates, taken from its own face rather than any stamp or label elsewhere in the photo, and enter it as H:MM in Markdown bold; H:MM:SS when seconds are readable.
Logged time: **6:42**
